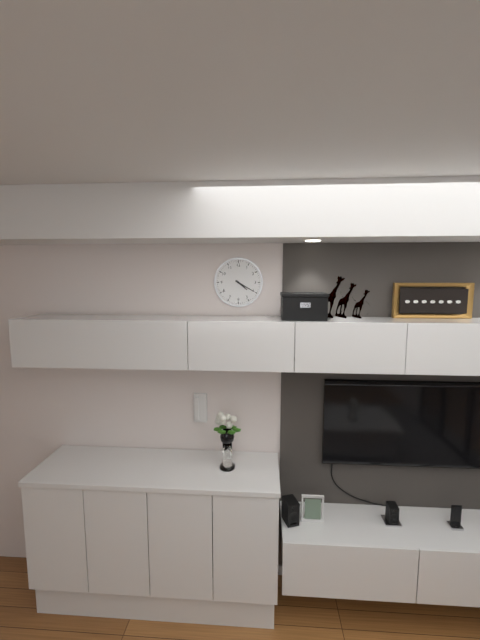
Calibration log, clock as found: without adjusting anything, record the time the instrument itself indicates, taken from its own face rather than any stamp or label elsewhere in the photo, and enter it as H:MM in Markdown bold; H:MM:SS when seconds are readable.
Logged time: **4:20**
